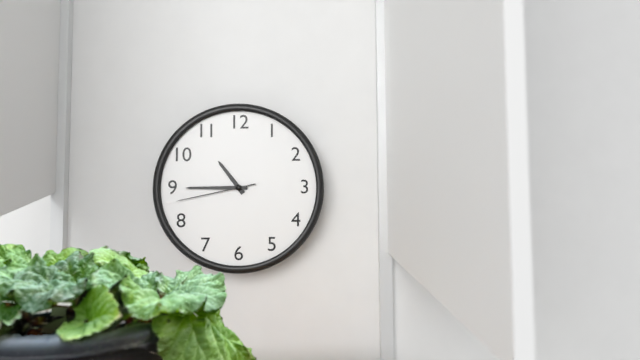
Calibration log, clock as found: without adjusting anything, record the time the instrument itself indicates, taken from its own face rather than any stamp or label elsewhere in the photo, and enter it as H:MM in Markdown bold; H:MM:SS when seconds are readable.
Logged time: **10:45:43**
